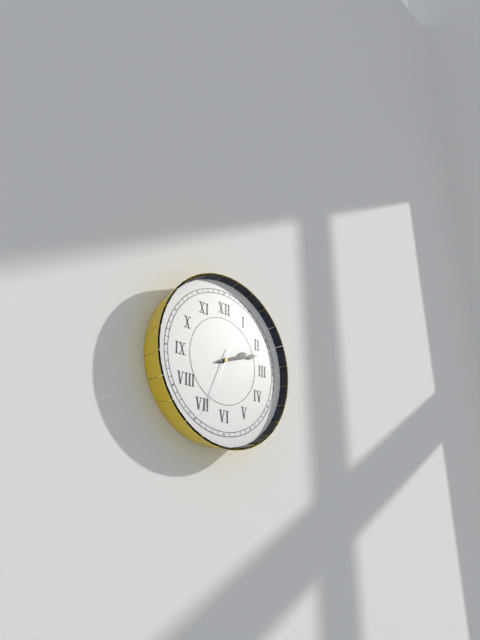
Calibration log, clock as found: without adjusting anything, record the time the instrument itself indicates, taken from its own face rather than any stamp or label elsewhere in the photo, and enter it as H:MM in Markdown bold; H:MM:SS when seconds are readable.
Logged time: **2:12:34**
